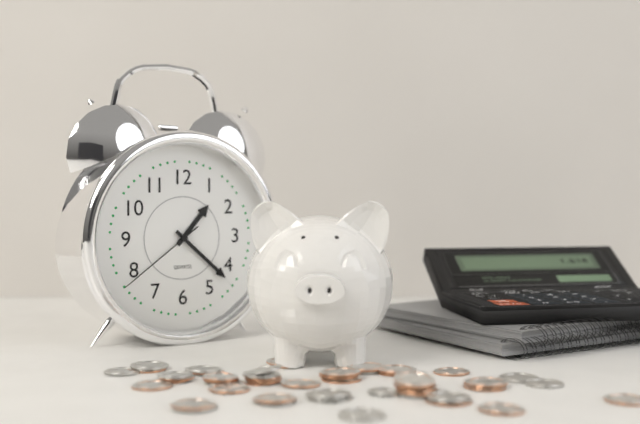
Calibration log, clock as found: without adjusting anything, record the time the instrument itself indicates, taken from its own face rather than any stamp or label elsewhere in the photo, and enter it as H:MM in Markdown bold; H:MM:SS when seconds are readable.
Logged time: **1:22:39**
